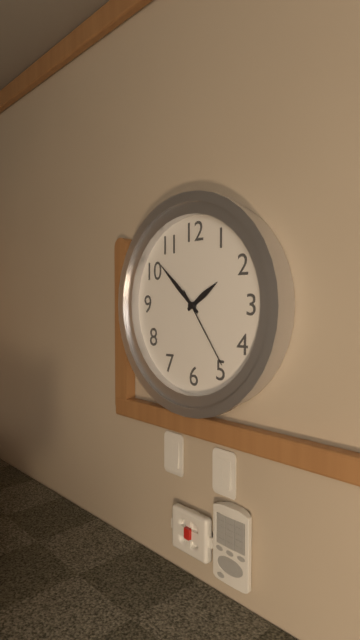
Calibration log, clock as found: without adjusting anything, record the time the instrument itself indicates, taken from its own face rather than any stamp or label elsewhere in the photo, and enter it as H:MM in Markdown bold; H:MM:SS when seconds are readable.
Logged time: **1:52:24**
